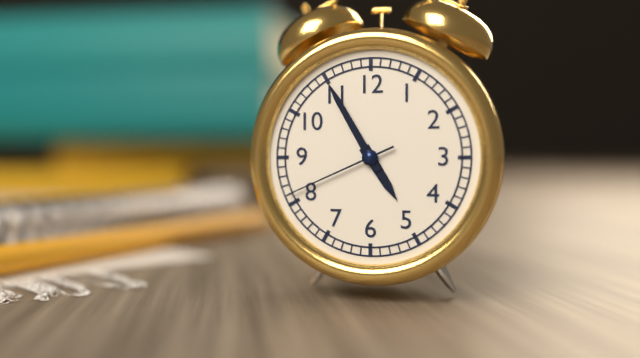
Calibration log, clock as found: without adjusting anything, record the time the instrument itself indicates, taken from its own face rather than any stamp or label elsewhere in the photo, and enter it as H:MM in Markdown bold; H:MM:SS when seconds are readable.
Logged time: **4:55:41**
